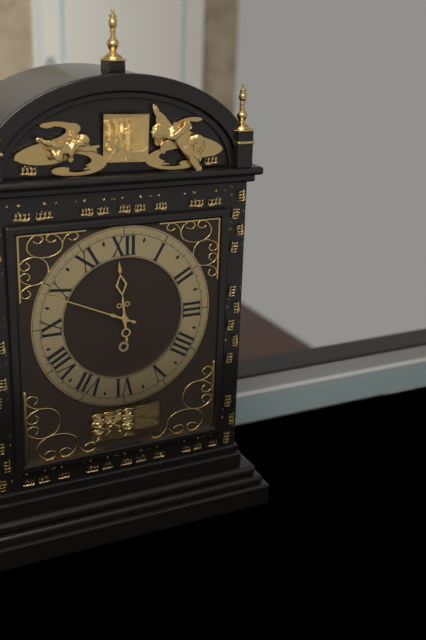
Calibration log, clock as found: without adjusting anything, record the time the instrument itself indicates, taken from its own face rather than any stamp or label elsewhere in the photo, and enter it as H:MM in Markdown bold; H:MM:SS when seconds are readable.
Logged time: **11:49**
